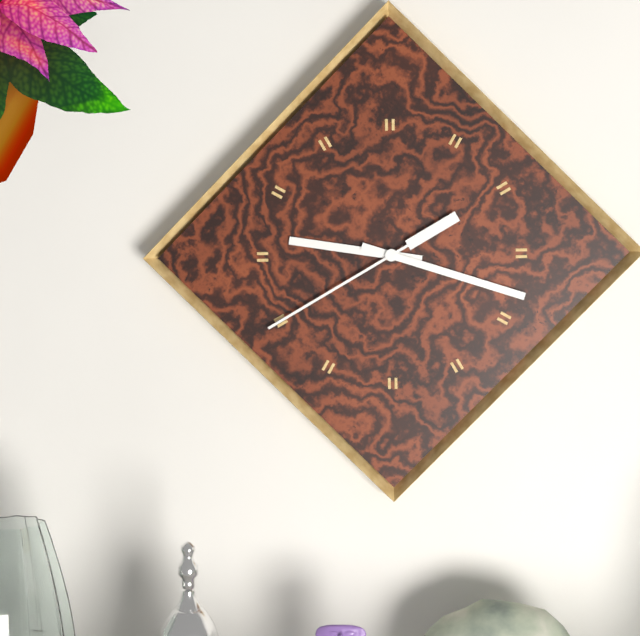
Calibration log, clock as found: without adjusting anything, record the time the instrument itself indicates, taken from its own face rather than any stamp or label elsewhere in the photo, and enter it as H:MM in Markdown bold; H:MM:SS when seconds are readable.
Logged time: **9:18:40**
